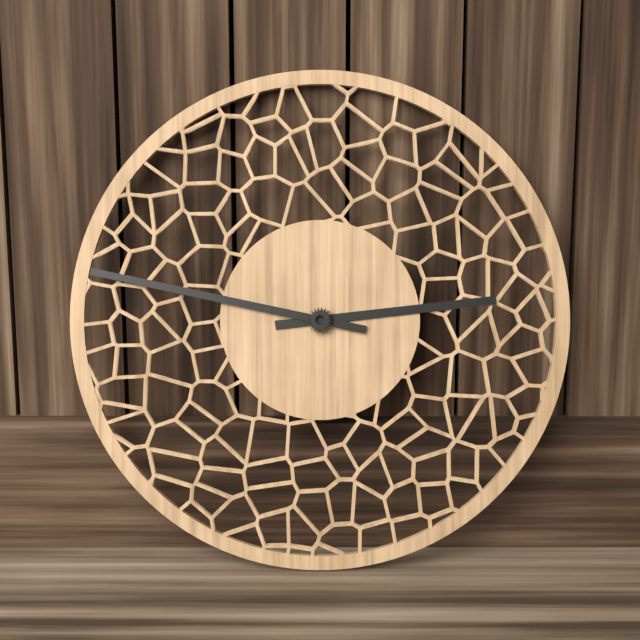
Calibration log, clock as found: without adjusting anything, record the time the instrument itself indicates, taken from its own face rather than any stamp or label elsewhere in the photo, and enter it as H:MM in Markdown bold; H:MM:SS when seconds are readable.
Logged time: **2:47**
